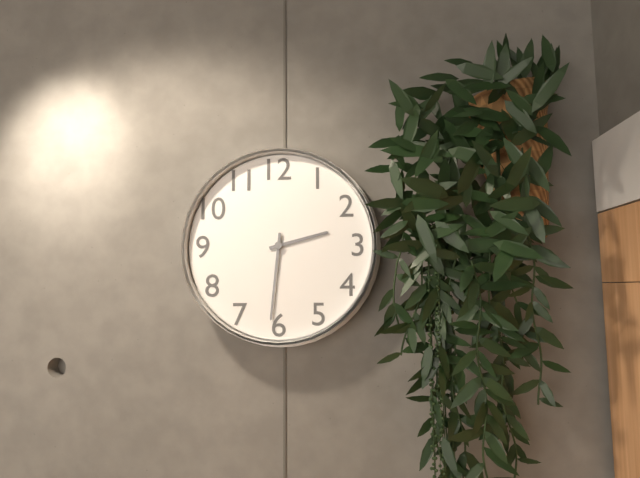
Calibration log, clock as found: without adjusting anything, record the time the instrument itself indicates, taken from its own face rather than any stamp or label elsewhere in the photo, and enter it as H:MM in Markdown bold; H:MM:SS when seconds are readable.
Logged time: **2:31**
